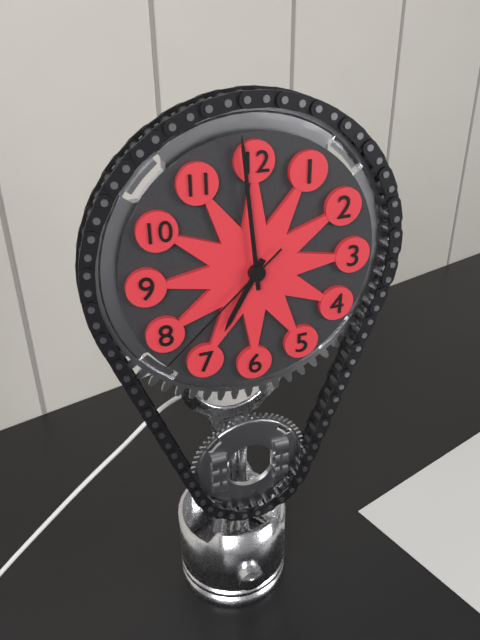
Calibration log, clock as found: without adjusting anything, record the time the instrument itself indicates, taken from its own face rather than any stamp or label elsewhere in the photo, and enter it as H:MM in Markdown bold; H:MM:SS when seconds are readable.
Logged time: **6:59:38**
